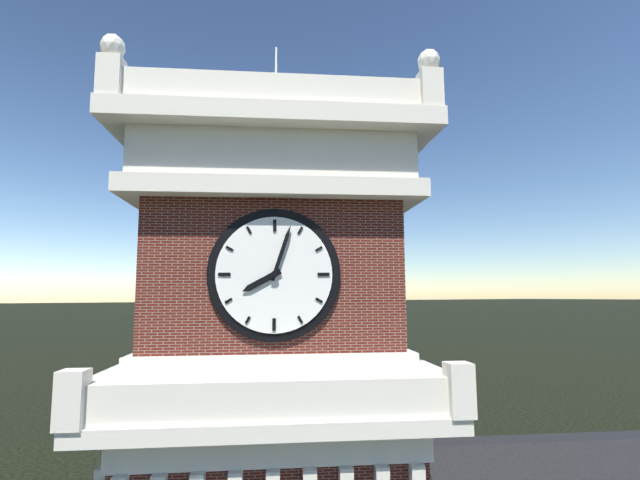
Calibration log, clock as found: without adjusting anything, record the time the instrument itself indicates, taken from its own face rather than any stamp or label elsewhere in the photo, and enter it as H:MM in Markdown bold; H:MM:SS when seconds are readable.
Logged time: **8:03**
